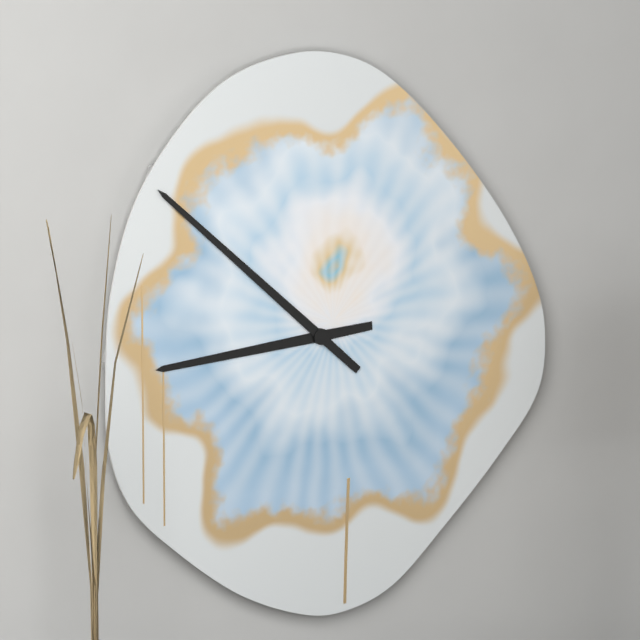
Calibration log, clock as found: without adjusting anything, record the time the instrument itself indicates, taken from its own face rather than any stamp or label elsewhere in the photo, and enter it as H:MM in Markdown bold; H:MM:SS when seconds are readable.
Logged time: **8:52**
